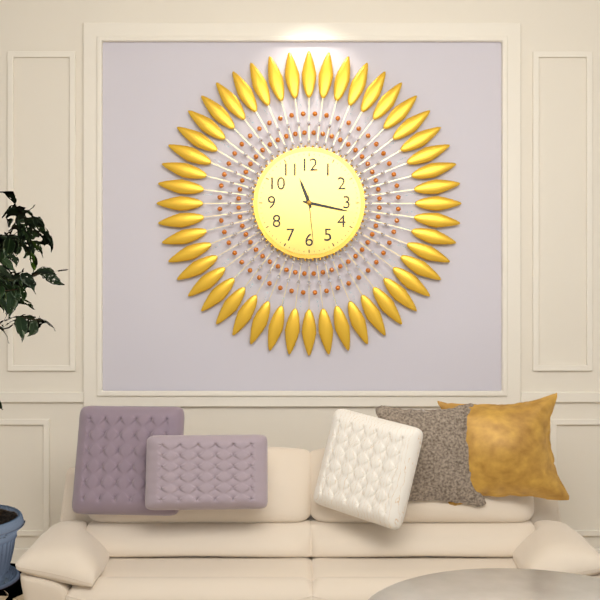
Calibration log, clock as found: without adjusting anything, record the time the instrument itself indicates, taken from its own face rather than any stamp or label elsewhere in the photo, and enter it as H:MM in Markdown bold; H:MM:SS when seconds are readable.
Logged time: **11:17:29**
